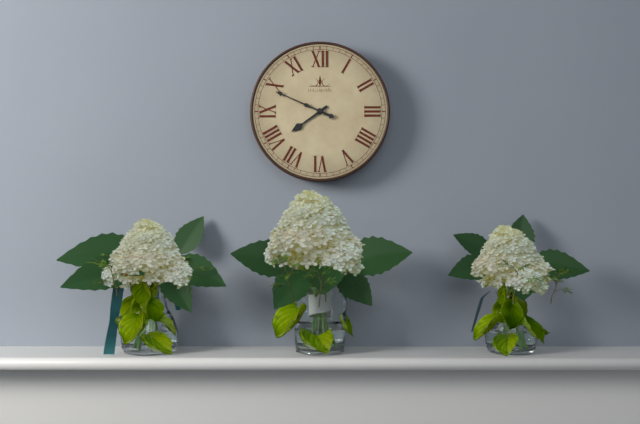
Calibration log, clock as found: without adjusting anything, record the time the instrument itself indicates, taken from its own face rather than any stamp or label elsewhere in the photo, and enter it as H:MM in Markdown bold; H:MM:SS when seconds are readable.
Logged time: **7:49**
